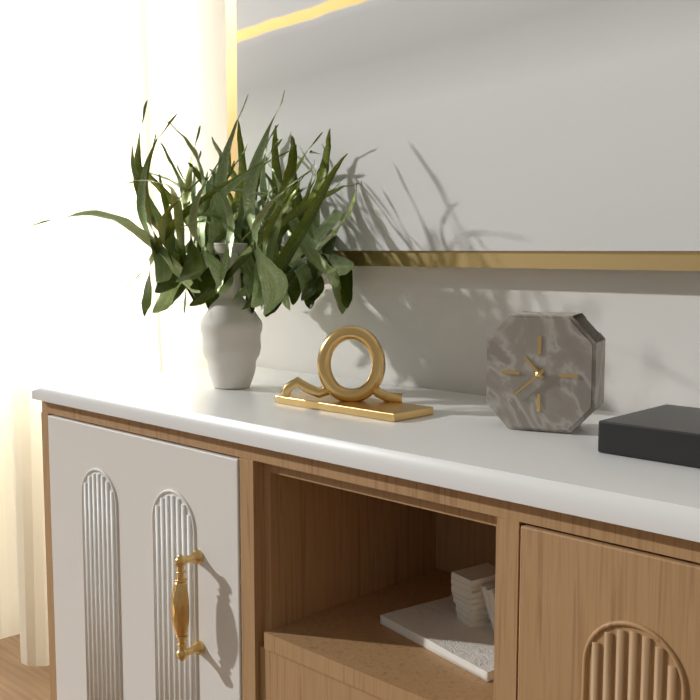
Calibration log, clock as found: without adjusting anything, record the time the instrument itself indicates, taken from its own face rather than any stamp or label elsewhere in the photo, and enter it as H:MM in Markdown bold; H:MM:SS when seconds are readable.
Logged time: **10:38**
